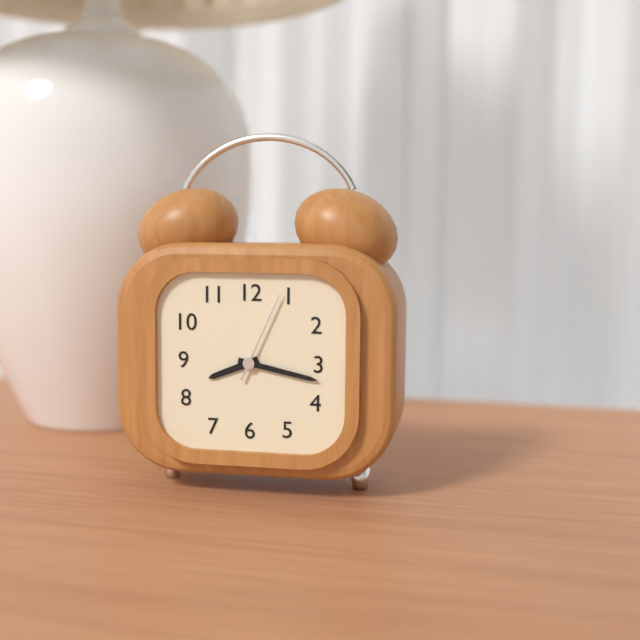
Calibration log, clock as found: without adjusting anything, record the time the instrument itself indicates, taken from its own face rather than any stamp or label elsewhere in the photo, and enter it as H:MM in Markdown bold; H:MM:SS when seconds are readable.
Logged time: **8:17:04**
